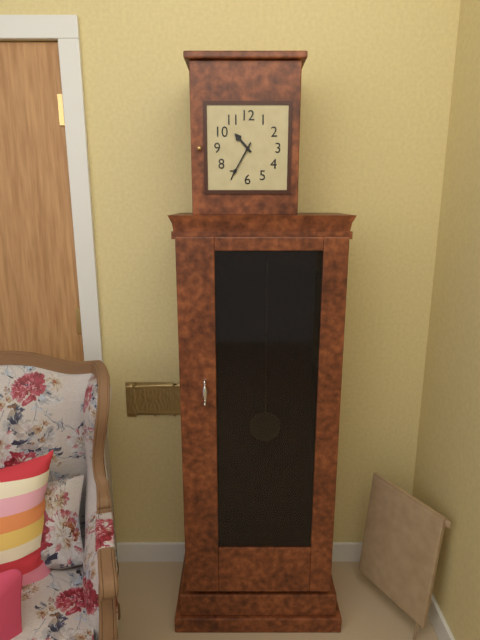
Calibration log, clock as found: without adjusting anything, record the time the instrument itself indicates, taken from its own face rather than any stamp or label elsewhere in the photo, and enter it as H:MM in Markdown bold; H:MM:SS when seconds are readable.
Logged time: **10:35**
